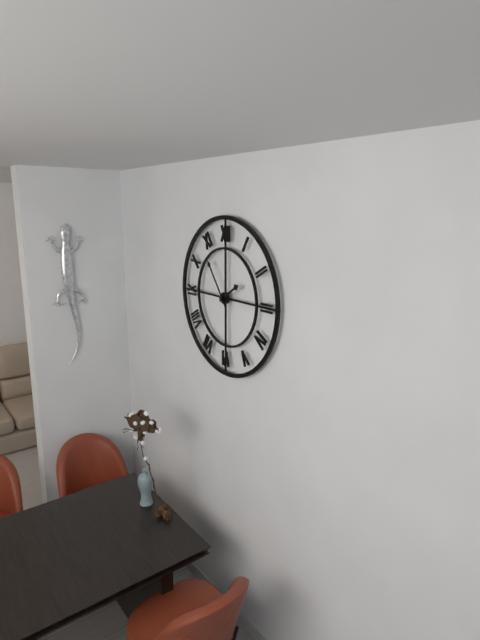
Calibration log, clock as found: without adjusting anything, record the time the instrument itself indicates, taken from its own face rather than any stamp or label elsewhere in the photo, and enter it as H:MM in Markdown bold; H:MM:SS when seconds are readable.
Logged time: **1:54**
